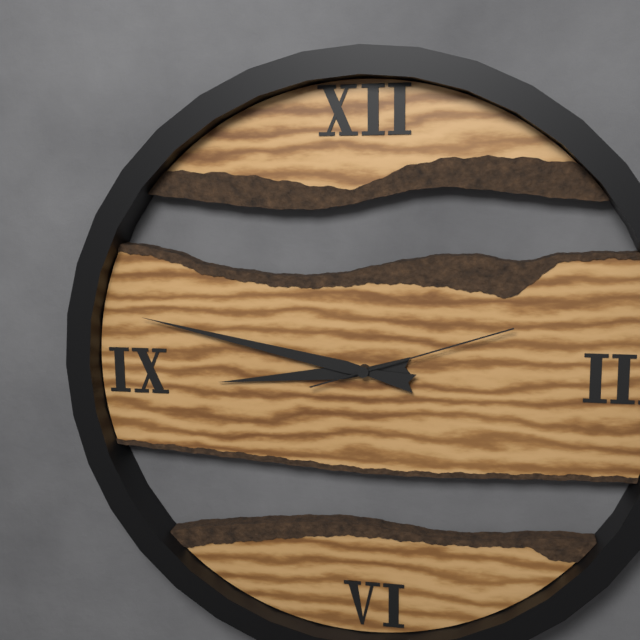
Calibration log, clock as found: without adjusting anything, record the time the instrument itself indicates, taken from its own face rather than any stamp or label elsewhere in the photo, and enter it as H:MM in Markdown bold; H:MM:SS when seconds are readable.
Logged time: **8:47:12**
